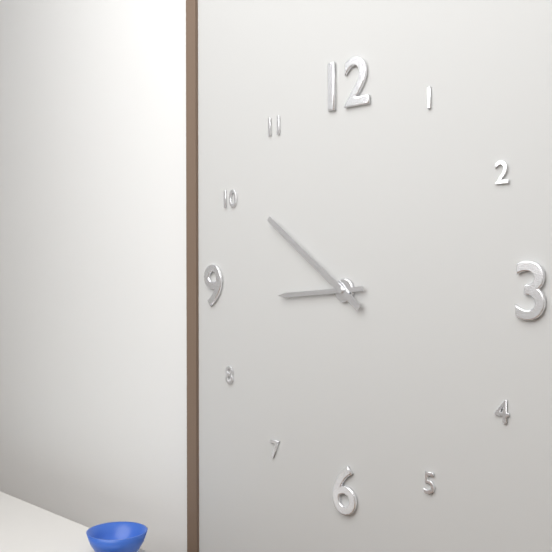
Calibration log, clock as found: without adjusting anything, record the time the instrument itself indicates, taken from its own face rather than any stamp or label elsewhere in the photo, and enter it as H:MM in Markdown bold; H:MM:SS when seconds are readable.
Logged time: **8:51**
